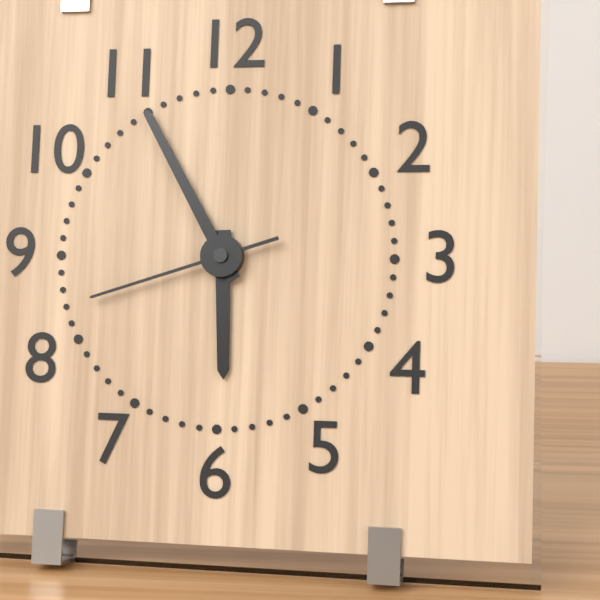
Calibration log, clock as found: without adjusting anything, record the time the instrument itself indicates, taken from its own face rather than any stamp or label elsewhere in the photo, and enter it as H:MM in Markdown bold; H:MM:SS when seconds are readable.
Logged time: **5:55:42**
